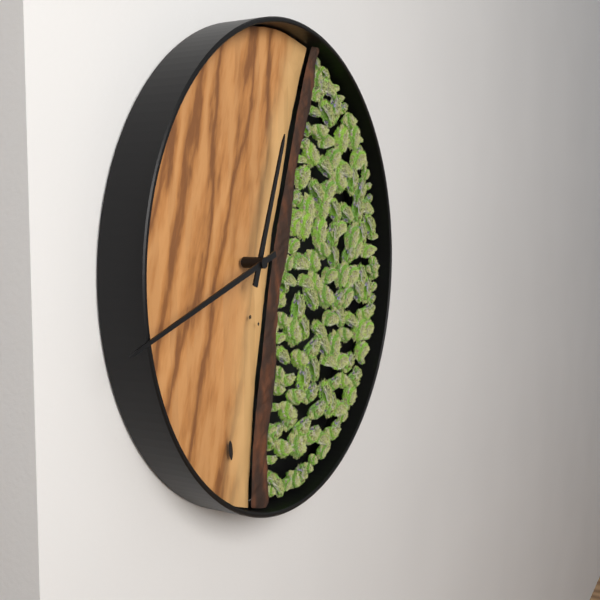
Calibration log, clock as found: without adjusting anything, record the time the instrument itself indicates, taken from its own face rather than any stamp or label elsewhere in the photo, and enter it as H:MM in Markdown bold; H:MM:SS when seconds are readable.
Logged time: **12:42**
